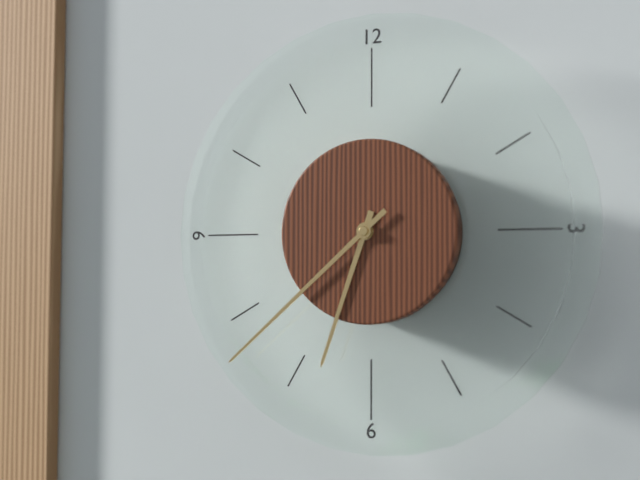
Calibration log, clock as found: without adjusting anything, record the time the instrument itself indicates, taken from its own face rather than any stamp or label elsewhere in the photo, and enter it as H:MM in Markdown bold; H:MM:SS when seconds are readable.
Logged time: **6:38**
